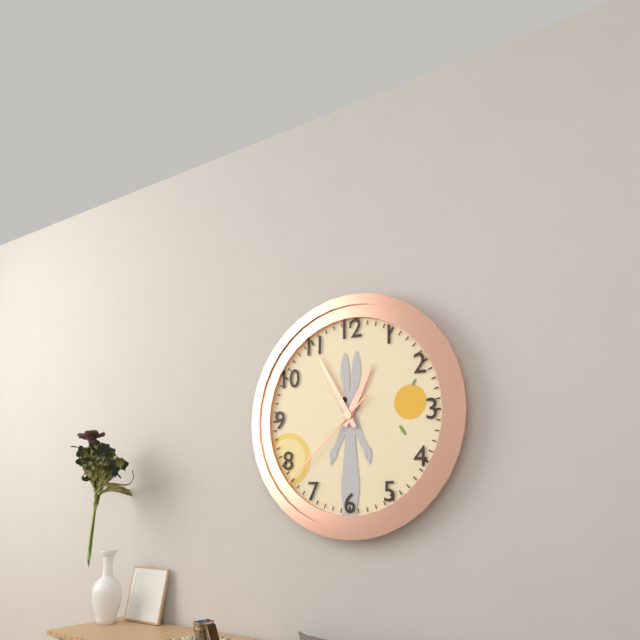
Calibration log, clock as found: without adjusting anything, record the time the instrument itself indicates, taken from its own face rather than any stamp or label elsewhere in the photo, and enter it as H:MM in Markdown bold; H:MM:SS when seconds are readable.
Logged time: **12:55:38**
